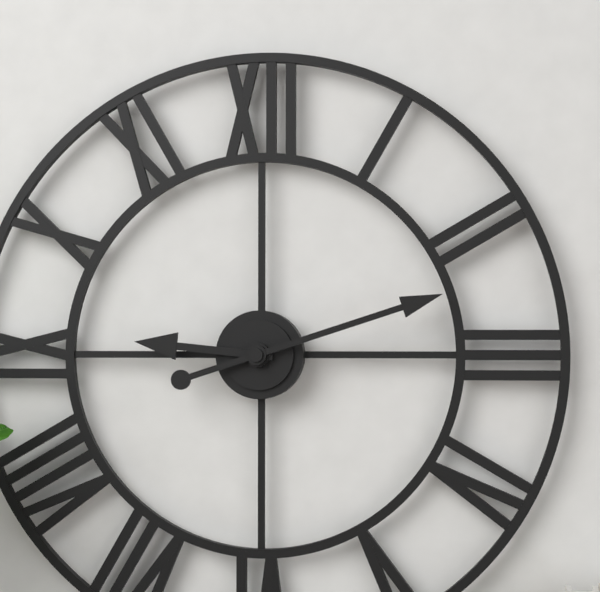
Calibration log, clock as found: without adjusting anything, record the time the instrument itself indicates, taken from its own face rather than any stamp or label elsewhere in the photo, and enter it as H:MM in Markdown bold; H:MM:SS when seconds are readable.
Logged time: **9:12**
